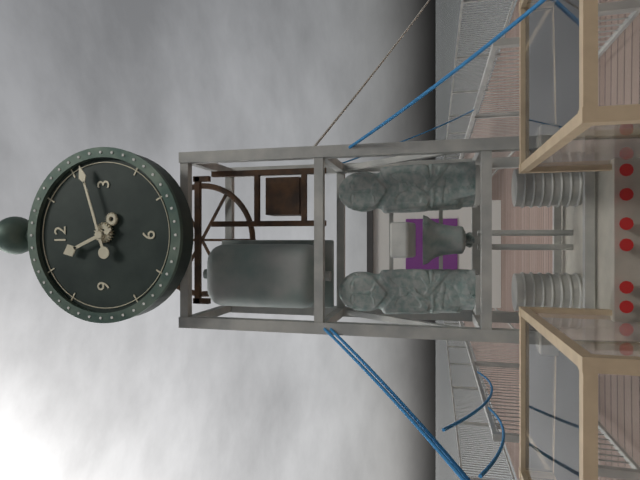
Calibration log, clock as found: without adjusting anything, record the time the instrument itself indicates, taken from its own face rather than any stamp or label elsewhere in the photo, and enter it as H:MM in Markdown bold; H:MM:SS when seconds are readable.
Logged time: **11:12**
